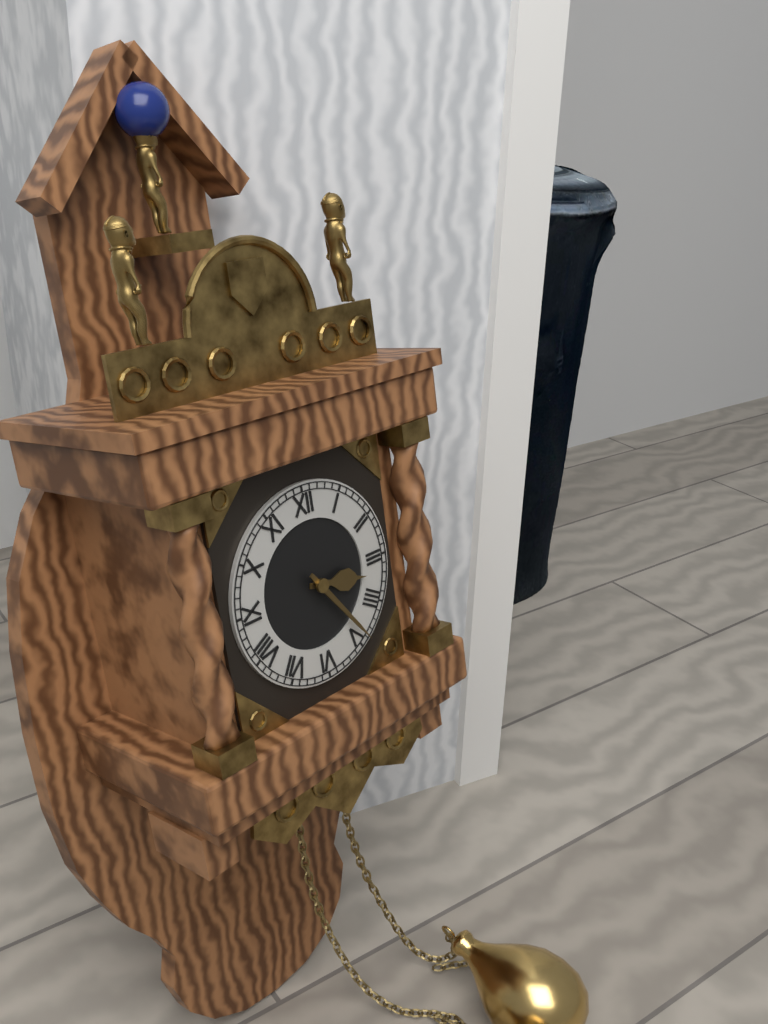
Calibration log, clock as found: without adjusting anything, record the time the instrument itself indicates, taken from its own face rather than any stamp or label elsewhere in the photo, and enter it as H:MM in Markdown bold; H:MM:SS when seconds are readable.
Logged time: **3:24**
